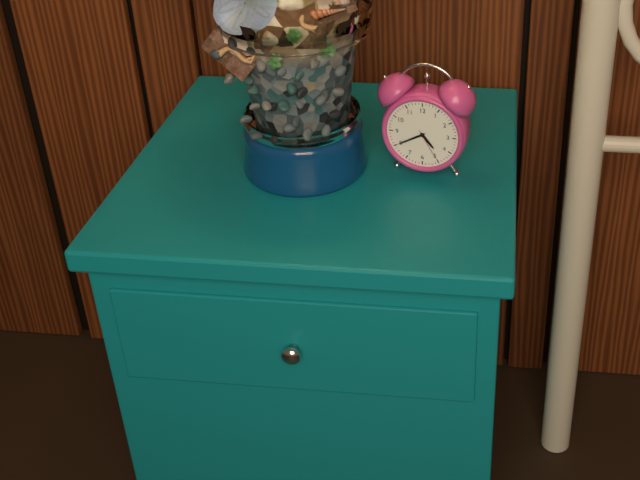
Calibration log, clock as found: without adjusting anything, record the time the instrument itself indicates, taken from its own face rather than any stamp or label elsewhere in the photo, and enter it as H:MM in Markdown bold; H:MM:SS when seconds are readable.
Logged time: **4:40**
